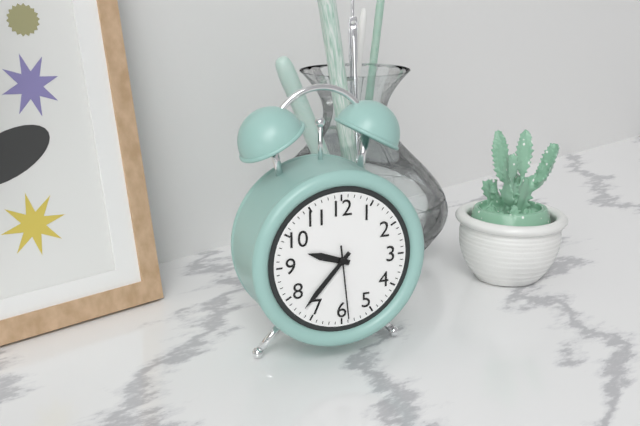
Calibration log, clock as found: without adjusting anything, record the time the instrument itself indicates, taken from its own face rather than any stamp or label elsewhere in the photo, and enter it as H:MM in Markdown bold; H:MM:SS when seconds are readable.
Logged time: **9:37:29**
